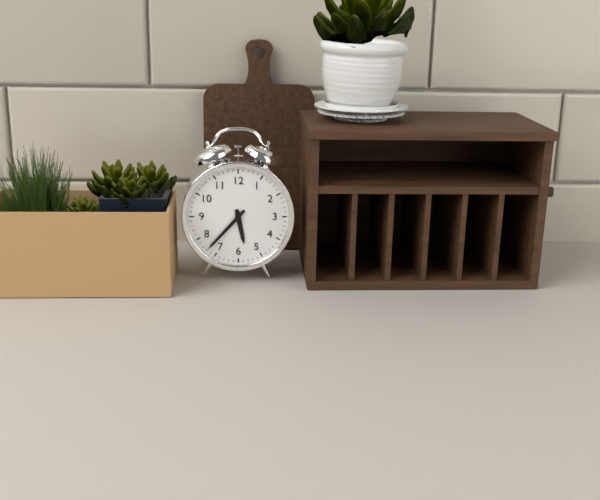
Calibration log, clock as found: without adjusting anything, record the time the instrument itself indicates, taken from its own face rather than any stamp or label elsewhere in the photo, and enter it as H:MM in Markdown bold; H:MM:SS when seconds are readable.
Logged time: **5:37**
